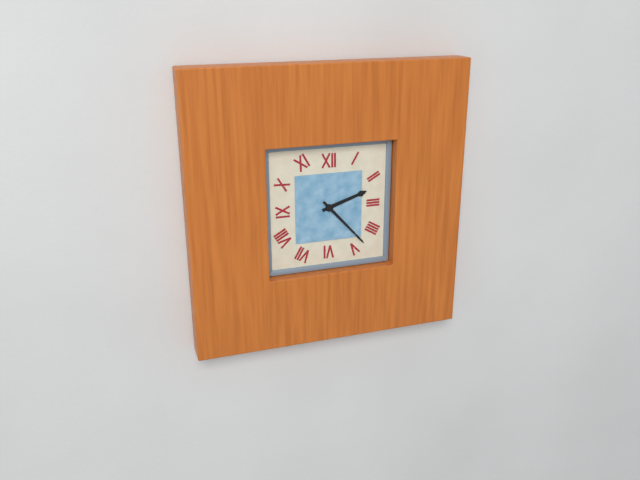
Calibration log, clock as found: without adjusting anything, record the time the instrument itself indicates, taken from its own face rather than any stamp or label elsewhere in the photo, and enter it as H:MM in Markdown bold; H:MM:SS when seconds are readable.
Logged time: **2:23**
